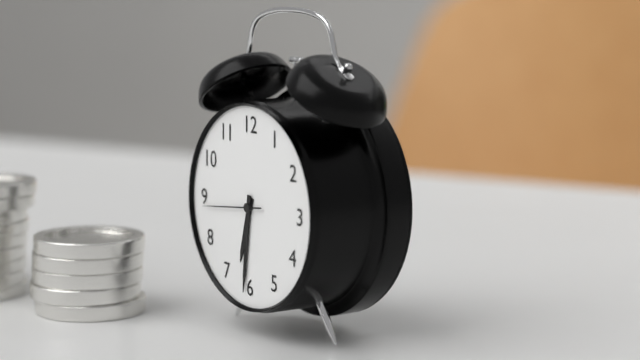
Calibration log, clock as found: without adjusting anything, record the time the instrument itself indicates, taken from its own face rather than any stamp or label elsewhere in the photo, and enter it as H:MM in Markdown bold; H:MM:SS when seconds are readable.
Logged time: **6:31:44**
